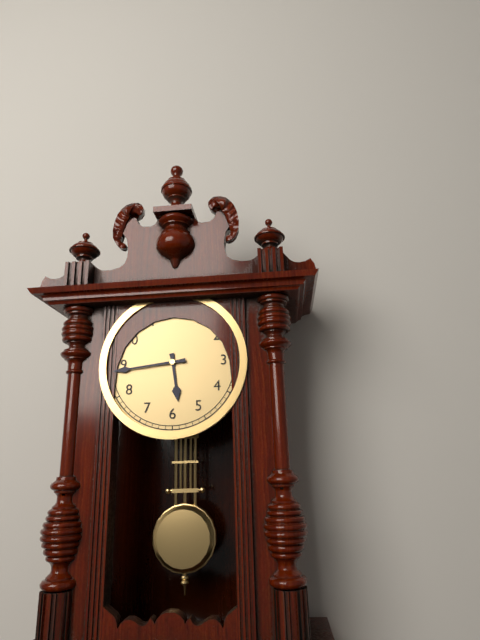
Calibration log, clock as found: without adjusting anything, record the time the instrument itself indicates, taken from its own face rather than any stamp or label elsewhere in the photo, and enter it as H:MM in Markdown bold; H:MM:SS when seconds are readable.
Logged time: **5:44**
